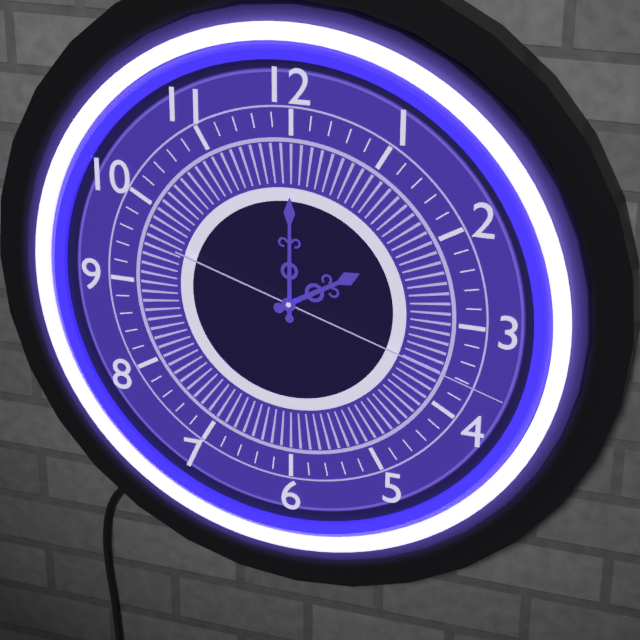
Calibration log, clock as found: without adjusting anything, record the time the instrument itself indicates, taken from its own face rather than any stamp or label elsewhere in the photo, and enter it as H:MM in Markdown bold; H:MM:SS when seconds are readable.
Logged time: **2:00:18**
